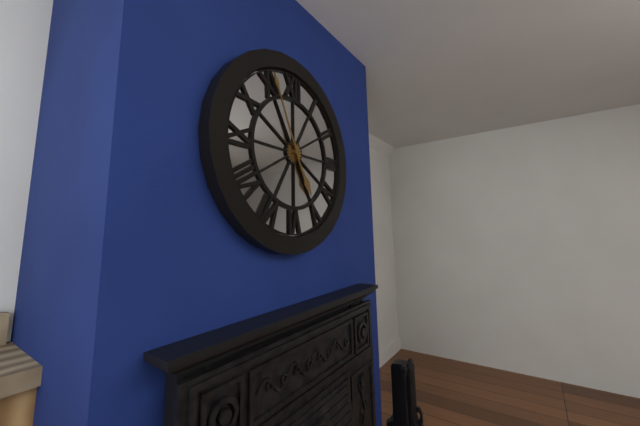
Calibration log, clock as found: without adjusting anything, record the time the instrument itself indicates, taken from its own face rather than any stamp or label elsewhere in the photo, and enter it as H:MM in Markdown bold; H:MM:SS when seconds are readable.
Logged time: **4:56**
